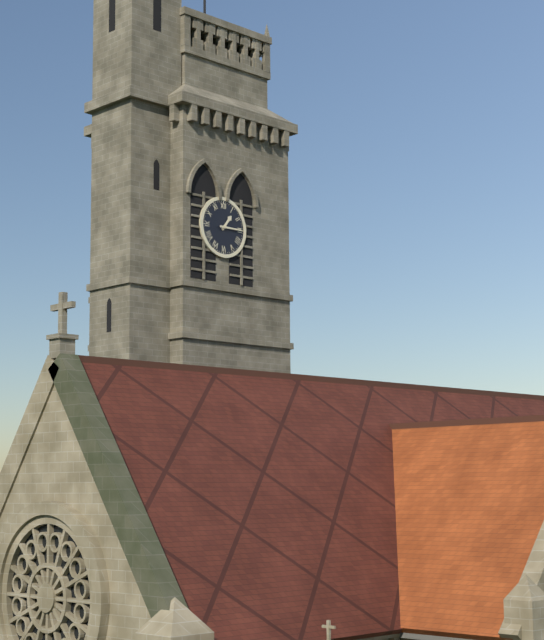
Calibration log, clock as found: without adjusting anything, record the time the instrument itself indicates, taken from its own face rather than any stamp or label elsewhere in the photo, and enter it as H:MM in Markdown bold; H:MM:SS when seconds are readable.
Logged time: **1:15**
